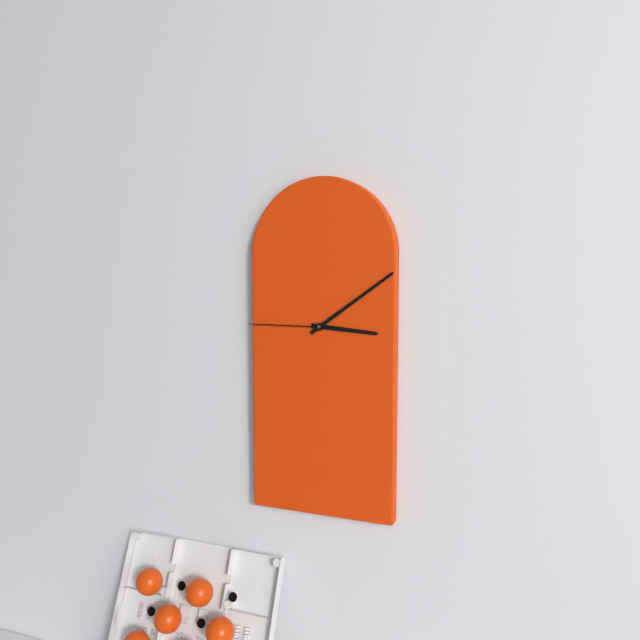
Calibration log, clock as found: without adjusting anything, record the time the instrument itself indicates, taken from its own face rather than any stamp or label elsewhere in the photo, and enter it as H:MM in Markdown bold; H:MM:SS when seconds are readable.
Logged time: **3:09:45**
